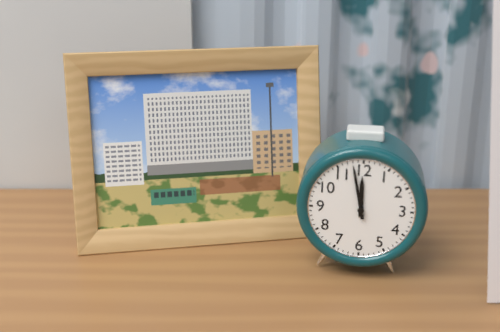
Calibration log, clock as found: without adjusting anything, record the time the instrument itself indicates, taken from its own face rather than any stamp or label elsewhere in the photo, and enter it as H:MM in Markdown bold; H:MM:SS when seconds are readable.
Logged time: **11:58**
